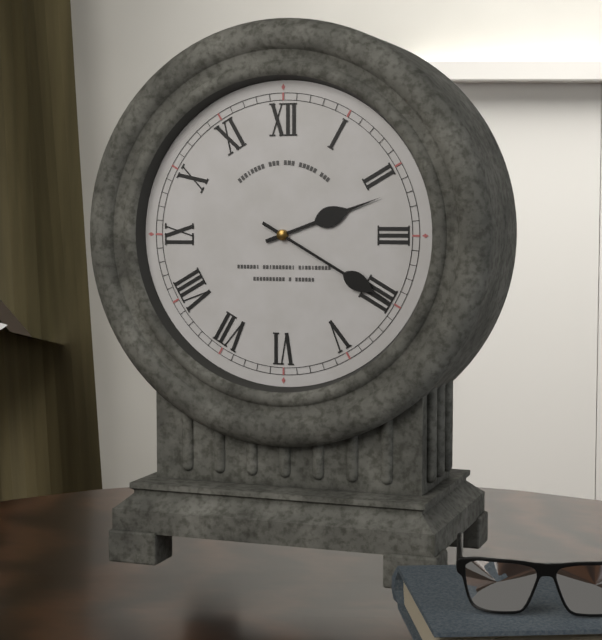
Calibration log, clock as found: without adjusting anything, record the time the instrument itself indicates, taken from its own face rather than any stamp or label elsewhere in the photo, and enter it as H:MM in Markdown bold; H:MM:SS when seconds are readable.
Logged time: **2:20**
